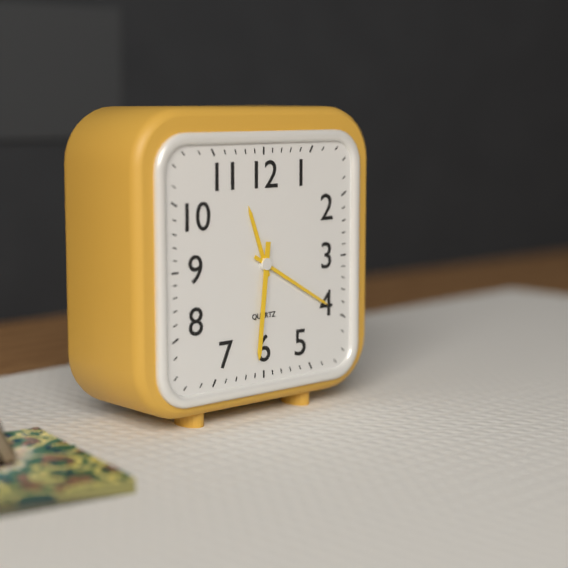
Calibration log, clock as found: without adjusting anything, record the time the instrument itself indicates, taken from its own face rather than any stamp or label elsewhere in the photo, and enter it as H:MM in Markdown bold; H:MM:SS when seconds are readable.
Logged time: **11:20:31**
